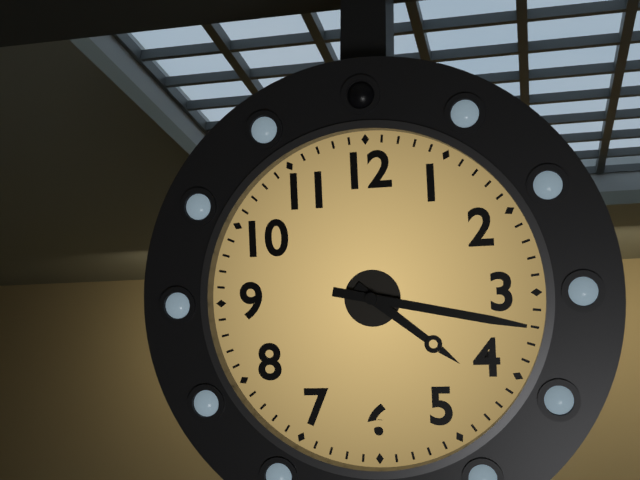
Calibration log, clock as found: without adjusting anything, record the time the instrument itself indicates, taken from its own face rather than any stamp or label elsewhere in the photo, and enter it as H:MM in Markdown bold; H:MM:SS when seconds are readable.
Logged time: **4:17**
